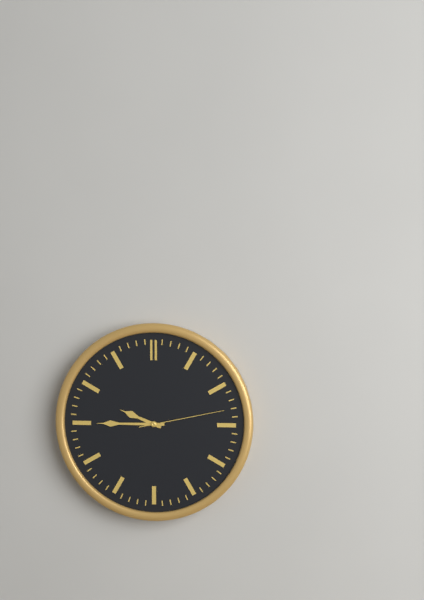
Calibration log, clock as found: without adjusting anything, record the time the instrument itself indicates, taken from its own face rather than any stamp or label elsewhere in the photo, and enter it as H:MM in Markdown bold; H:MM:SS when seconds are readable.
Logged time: **9:45:13**
